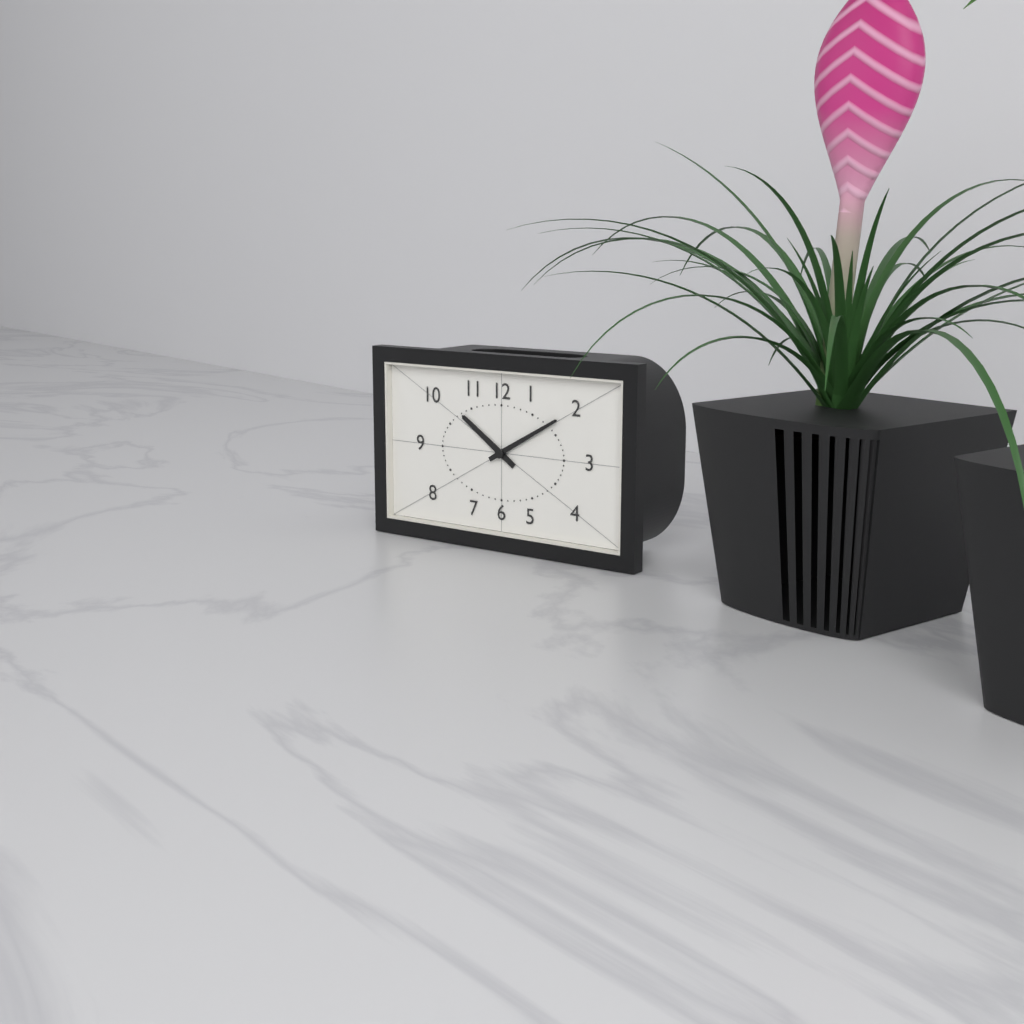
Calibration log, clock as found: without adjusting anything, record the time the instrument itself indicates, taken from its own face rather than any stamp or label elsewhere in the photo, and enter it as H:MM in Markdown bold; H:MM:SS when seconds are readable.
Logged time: **10:10**
